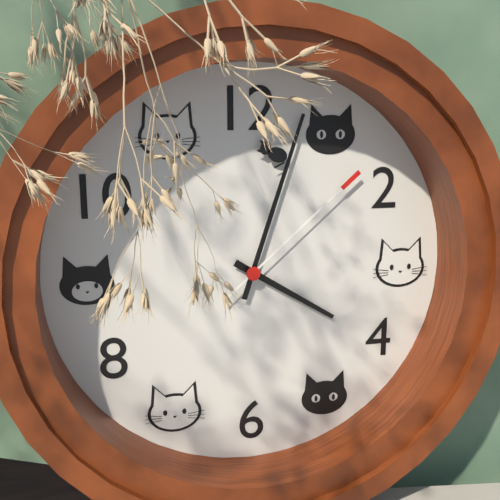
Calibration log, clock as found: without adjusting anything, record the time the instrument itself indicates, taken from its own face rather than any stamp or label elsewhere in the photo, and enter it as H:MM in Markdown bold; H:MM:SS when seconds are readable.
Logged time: **4:03:08**
